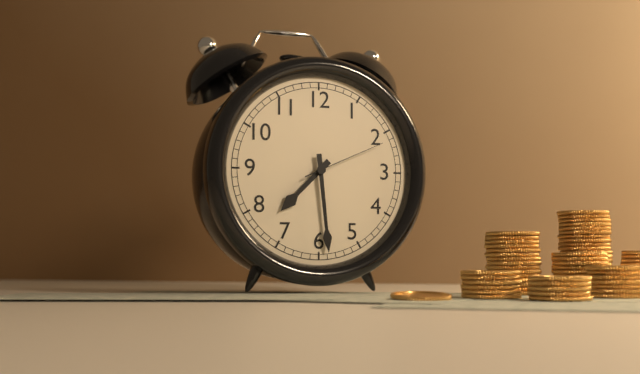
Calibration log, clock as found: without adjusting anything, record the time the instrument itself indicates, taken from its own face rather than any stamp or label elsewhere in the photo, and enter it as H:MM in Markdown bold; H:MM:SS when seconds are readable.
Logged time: **7:29:11**
